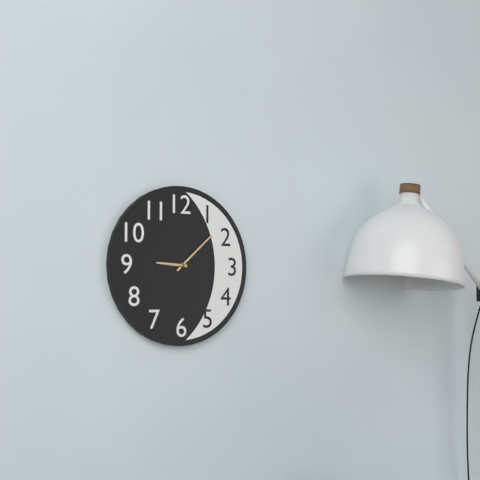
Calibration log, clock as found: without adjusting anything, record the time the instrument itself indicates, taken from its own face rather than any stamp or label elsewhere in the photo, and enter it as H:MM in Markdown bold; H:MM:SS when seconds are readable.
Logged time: **9:08**
